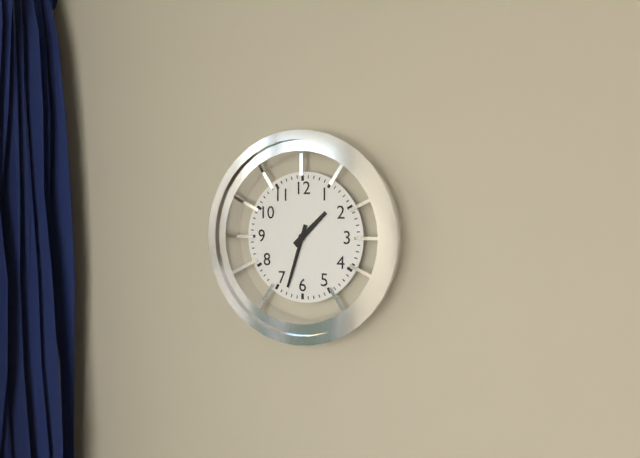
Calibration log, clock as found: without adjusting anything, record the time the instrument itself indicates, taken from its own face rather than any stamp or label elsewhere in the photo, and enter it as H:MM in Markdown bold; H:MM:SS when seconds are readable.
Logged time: **1:33**
